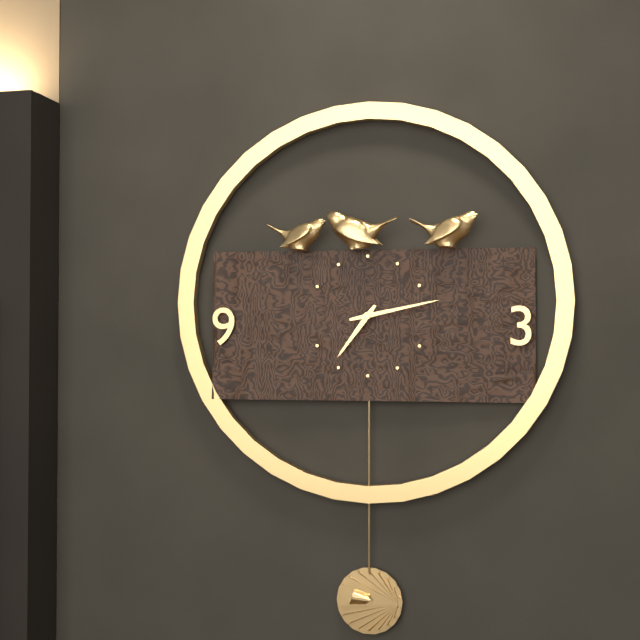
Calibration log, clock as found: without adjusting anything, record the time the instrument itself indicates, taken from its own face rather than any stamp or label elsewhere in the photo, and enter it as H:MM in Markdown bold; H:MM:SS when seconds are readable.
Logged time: **7:13**
